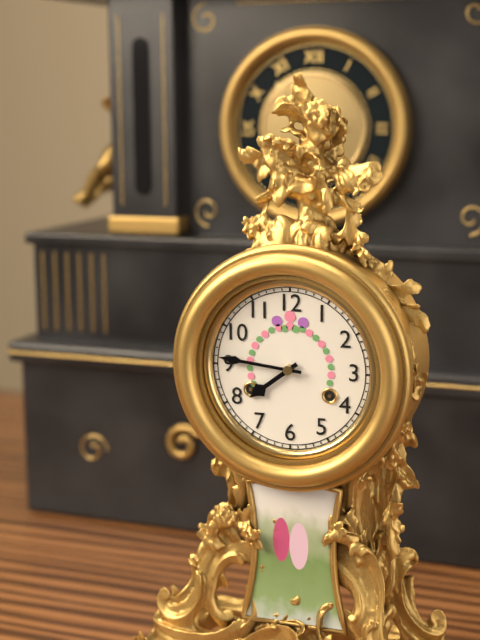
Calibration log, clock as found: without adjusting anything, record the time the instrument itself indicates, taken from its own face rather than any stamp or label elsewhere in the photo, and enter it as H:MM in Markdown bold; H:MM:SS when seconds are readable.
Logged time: **7:46**
